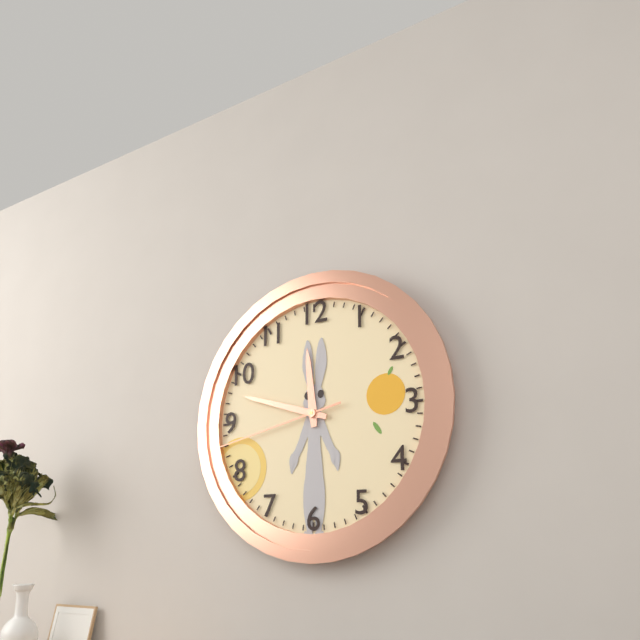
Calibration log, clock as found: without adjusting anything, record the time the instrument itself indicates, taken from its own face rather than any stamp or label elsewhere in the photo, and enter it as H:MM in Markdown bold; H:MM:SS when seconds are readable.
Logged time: **11:48:43**
